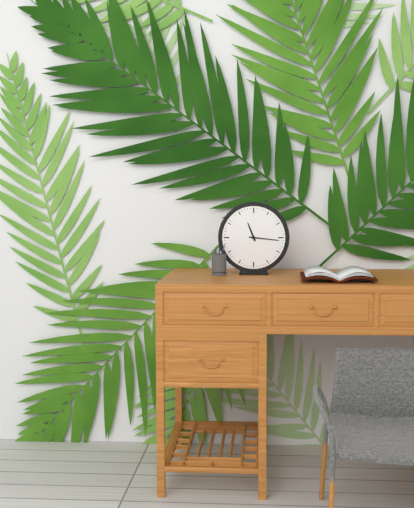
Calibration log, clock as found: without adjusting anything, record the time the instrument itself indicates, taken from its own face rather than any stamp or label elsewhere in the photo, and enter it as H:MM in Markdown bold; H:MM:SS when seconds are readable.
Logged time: **11:16**
